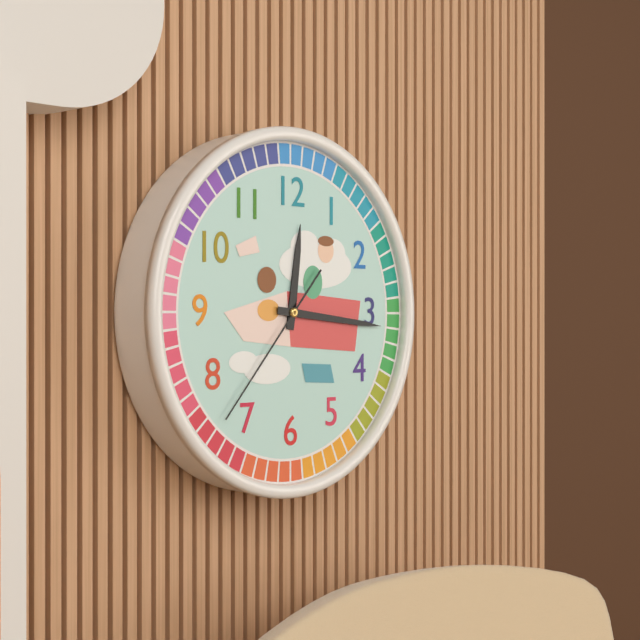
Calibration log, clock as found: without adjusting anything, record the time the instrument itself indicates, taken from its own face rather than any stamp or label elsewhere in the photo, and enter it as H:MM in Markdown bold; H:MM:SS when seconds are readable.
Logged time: **12:16:37**
